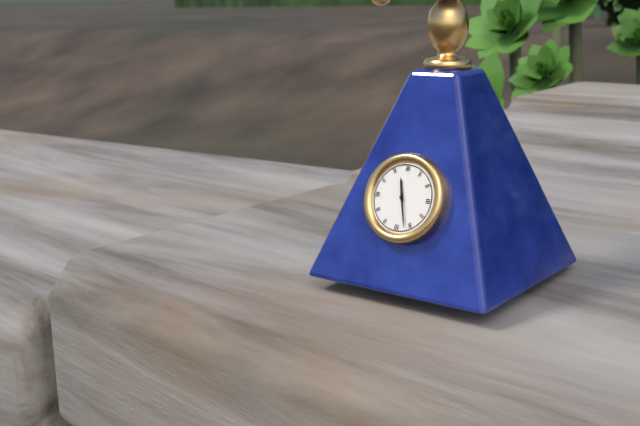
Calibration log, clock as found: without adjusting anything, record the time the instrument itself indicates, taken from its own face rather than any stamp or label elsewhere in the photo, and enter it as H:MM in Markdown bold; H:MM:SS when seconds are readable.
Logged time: **11:27**
